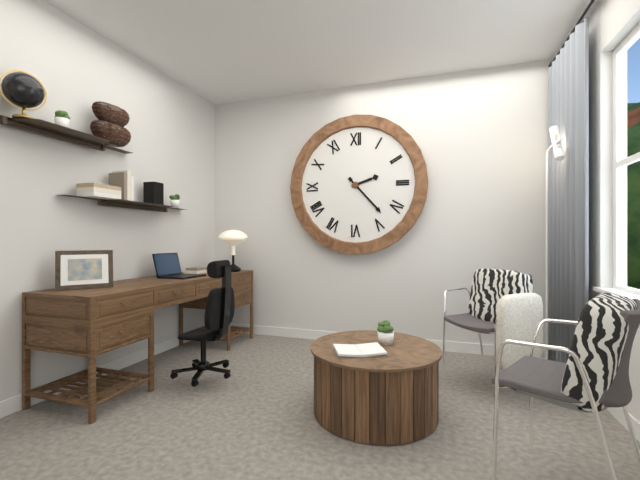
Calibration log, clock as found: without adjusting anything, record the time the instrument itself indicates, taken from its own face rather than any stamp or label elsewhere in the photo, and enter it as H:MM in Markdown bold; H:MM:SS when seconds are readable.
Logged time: **2:23**
